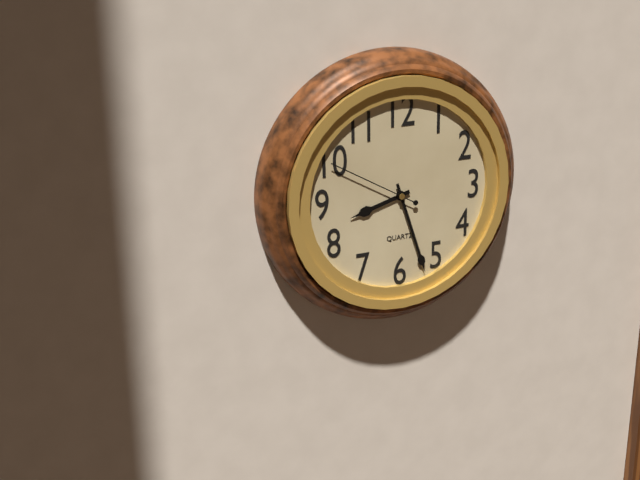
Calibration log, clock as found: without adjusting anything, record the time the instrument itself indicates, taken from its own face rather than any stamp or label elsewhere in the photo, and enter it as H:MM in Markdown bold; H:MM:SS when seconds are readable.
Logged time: **8:27:50**
